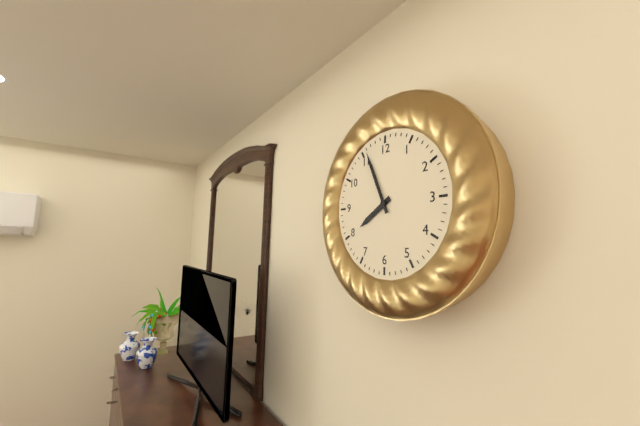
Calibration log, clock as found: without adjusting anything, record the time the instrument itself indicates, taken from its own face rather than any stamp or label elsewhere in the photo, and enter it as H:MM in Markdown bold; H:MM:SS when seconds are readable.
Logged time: **7:56**
